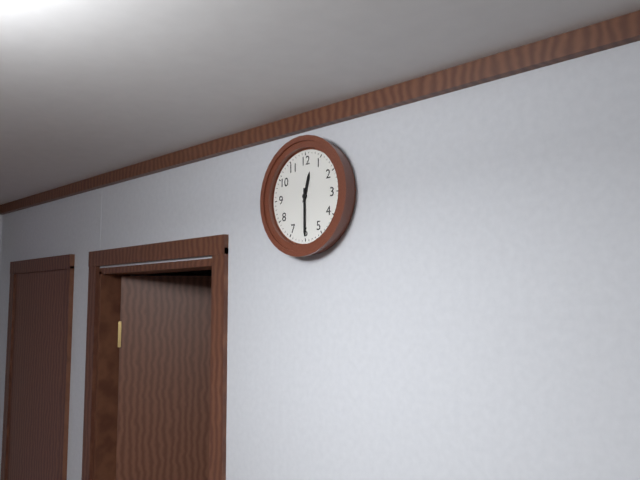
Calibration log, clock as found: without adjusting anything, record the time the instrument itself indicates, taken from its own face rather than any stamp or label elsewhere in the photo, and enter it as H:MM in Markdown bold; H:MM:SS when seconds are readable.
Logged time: **12:30**
